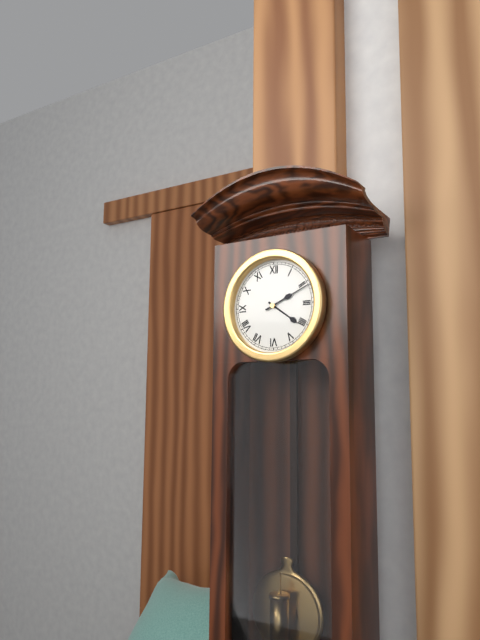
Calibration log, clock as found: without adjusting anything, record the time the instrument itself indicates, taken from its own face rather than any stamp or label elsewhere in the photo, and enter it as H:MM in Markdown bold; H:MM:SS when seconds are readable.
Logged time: **4:11**
